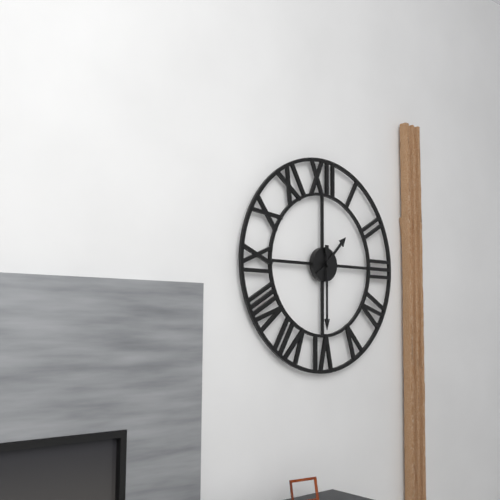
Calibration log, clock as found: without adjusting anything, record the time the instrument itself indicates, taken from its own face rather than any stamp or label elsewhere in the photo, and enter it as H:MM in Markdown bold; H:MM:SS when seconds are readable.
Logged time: **1:30**
